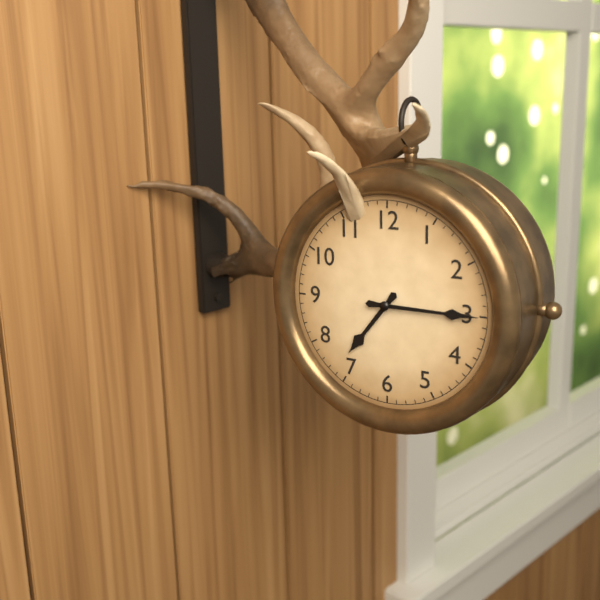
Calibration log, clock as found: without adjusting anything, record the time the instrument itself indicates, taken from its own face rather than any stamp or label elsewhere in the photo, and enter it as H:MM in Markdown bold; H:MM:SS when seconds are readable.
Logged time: **7:15**
